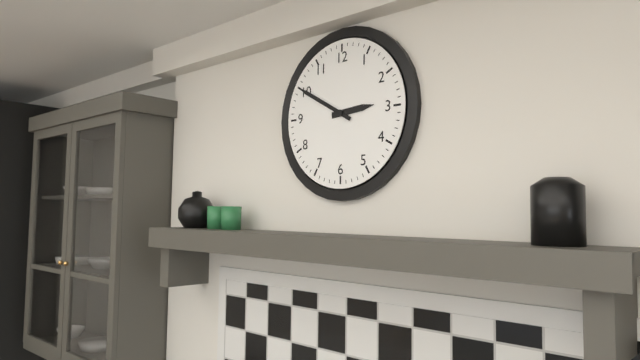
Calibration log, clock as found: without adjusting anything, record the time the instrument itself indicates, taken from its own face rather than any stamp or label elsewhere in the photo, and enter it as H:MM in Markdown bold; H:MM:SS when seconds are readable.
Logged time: **2:50**
